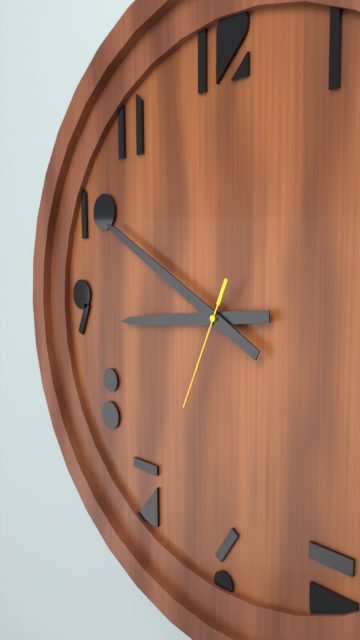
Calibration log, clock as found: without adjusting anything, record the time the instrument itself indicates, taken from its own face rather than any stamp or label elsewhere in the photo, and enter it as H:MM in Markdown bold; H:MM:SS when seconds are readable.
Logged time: **8:50:34**
